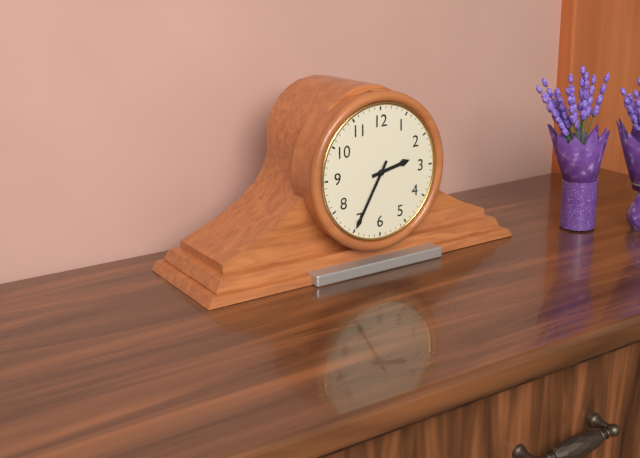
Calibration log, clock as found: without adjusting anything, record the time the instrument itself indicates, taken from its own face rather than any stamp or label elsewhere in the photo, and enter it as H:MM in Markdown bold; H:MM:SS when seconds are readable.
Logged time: **2:35**
